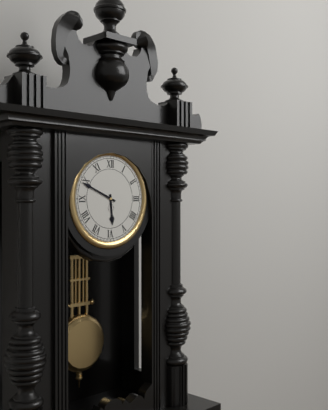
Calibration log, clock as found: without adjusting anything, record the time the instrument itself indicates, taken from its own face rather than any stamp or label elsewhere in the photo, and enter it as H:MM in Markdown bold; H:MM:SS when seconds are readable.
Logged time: **5:49**
